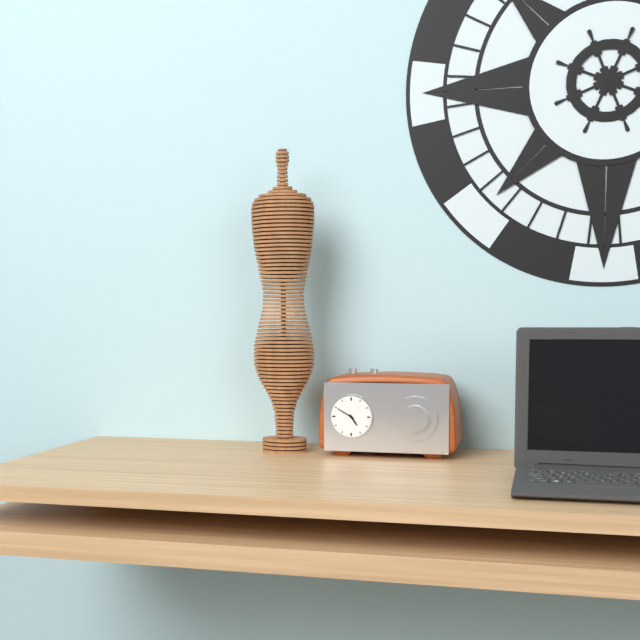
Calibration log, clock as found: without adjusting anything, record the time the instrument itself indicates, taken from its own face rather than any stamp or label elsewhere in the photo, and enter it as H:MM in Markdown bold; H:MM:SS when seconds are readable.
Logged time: **4:50**
